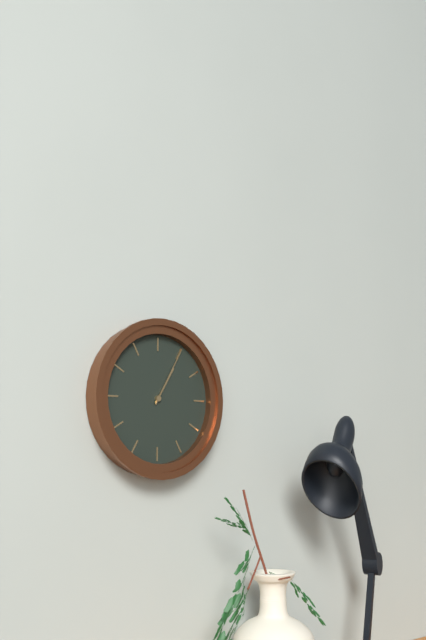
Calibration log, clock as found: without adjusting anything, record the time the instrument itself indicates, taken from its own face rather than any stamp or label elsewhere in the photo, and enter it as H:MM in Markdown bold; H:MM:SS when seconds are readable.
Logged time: **1:05**
